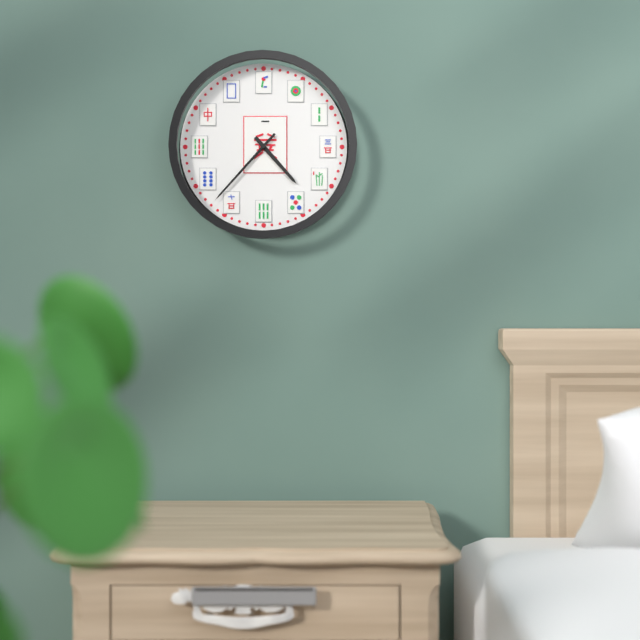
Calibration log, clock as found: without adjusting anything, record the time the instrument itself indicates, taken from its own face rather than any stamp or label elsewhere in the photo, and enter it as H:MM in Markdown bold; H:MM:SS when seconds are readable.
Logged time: **4:37:37**
